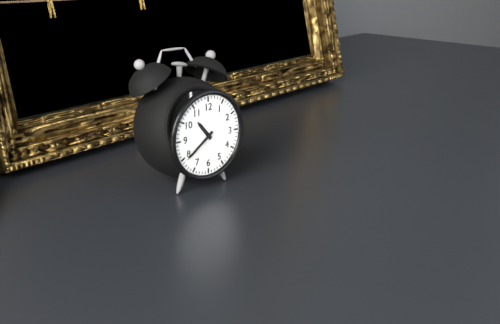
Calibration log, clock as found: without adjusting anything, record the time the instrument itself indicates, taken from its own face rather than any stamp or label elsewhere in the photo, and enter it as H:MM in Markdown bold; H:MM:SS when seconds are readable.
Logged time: **10:39**
